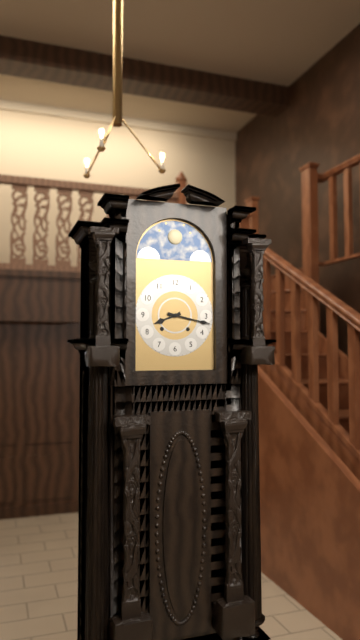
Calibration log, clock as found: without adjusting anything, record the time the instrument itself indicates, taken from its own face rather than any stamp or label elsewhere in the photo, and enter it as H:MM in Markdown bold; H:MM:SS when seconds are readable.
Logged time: **8:17**
